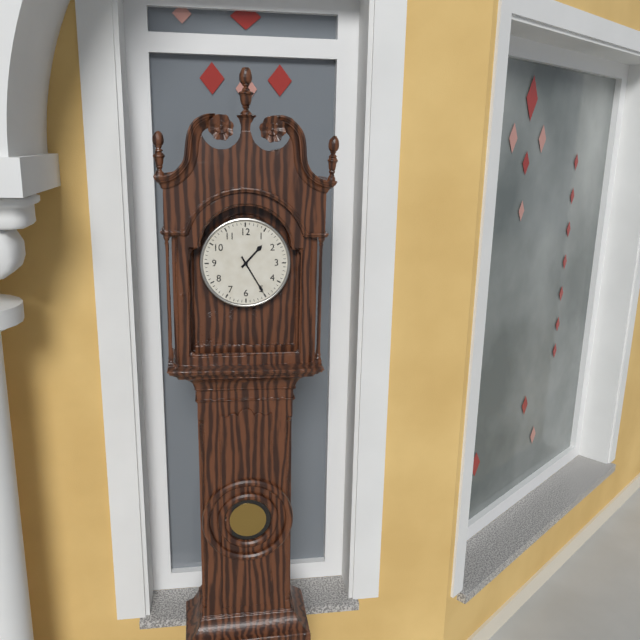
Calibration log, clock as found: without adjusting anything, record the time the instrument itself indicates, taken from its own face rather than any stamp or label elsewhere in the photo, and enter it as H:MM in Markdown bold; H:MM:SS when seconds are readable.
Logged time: **1:25**
